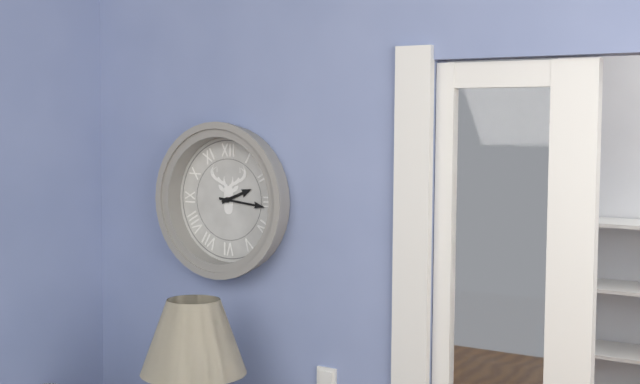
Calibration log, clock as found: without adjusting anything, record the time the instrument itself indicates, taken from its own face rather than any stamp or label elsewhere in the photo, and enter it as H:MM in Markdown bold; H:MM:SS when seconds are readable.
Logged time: **2:16**
